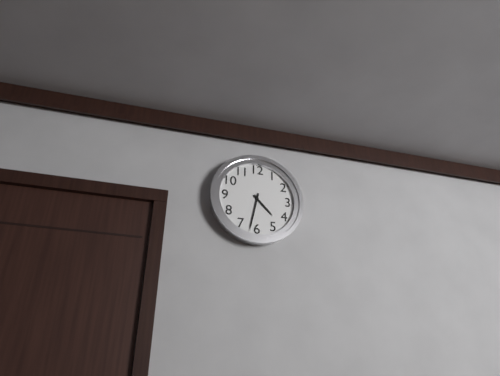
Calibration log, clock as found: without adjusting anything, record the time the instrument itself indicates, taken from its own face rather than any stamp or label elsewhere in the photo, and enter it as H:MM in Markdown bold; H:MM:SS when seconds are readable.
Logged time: **4:32**
